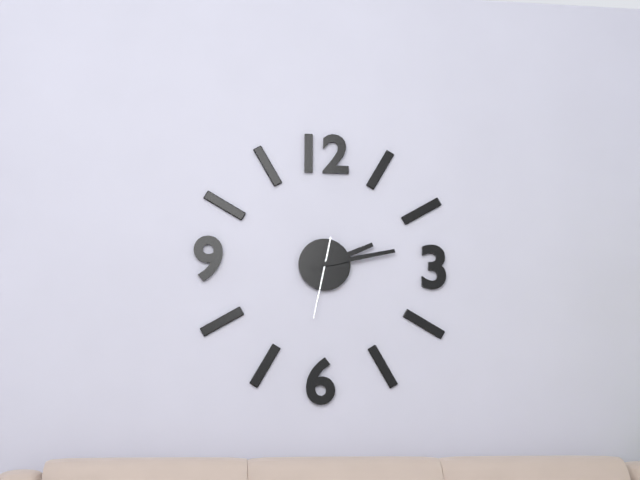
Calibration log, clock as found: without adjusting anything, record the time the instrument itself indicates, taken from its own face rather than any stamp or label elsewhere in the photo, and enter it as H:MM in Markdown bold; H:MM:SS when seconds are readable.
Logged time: **2:13:32**
